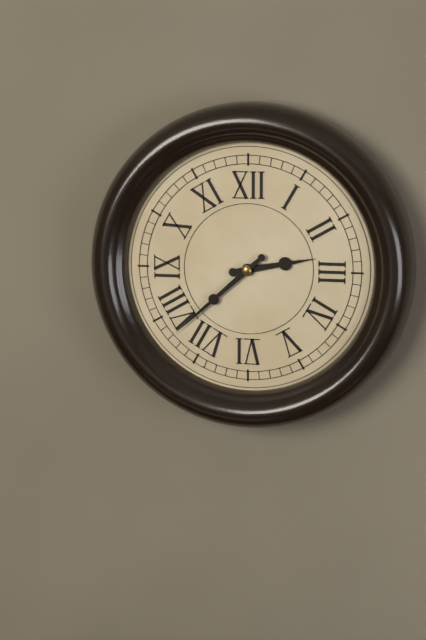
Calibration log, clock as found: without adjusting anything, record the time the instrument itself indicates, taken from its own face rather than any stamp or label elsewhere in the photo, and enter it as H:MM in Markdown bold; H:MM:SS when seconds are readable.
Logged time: **2:38**
